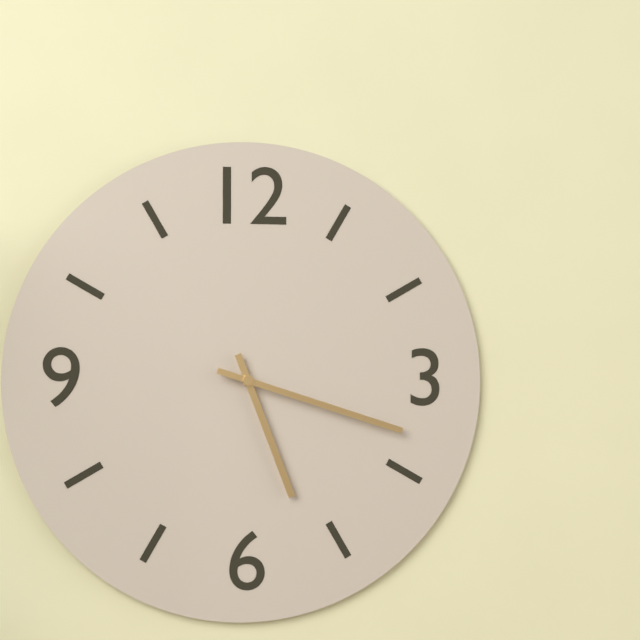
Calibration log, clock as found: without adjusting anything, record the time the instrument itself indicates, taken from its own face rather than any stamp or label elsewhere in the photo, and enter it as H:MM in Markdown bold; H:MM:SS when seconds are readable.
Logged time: **5:18**
